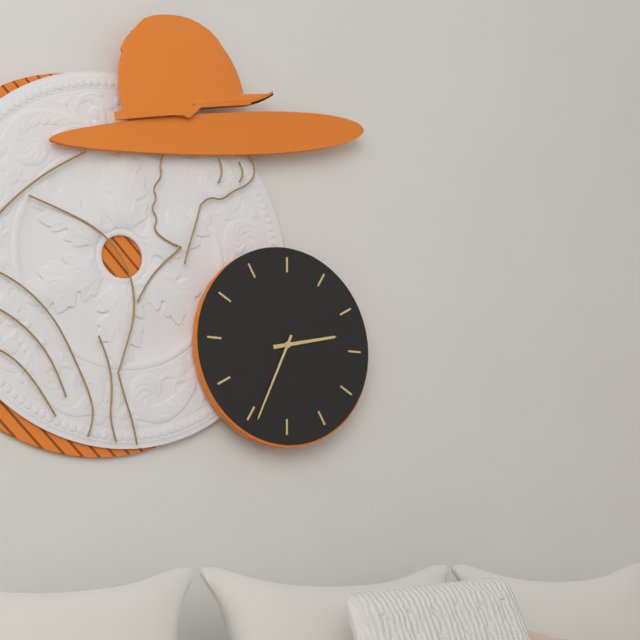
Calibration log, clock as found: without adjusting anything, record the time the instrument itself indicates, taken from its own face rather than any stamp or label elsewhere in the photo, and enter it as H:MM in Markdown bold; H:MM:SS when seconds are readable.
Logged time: **2:34**
